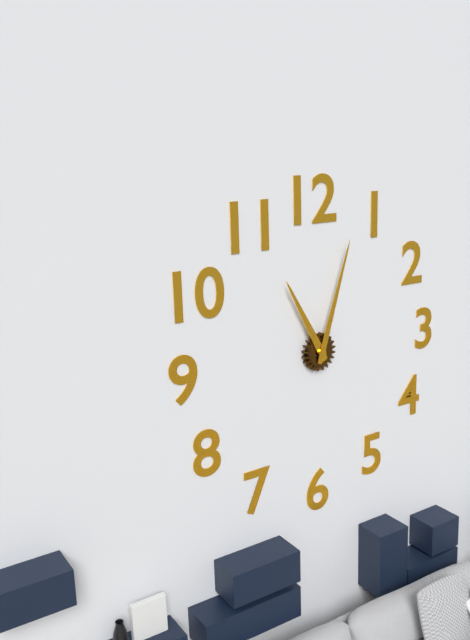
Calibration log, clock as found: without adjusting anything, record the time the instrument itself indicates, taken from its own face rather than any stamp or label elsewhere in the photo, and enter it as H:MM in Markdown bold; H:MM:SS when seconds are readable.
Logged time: **11:03**
